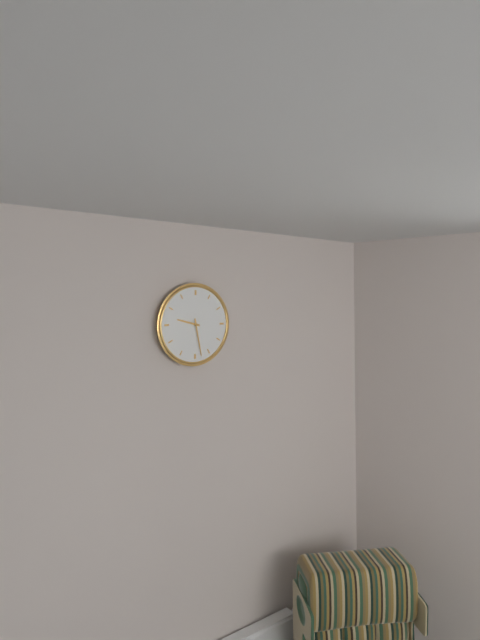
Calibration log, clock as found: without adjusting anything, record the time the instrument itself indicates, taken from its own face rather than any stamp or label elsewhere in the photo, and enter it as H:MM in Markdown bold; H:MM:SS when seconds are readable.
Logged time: **9:28**
